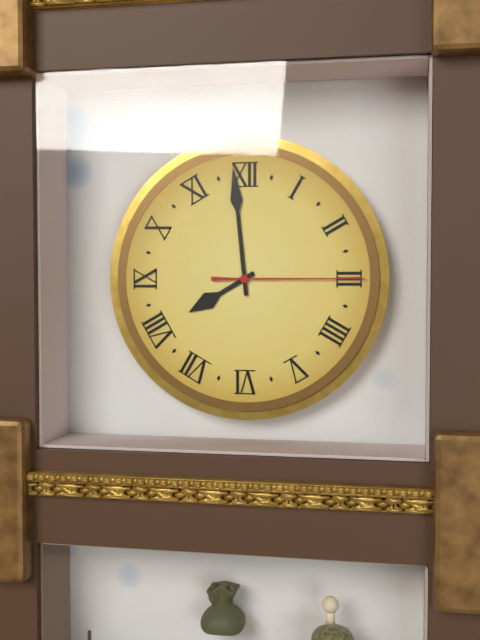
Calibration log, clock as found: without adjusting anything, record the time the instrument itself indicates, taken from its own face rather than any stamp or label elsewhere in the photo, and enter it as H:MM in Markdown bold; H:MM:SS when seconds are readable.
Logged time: **7:59:15**
